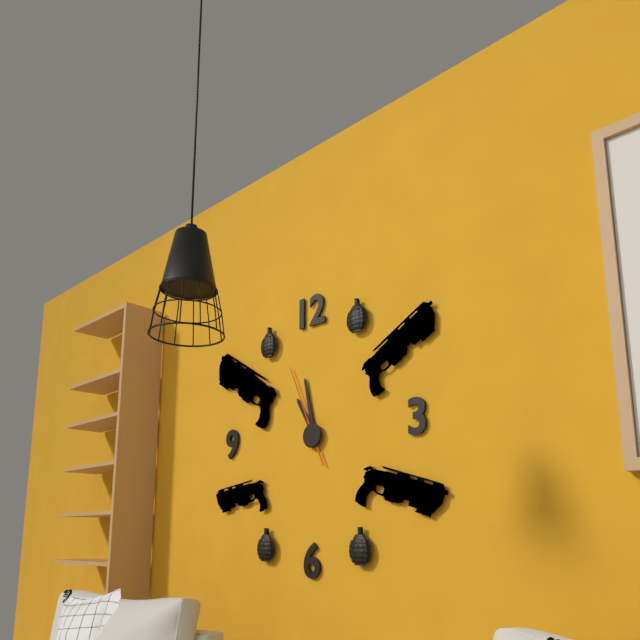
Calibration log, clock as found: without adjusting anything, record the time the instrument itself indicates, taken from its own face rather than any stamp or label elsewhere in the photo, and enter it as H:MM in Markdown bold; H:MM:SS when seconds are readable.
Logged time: **10:58:56**
